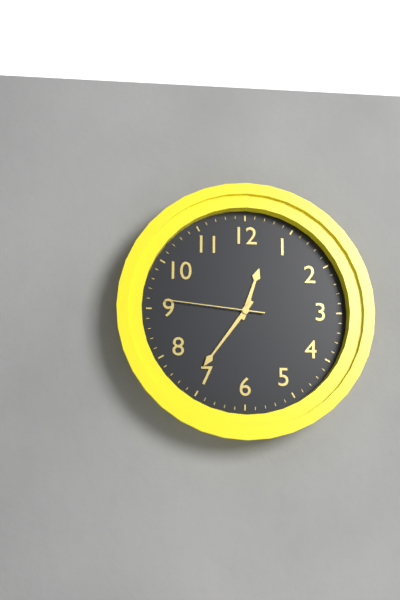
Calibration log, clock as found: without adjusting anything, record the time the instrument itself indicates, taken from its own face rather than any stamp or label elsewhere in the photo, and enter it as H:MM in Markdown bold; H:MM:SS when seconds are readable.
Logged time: **12:36:46**
